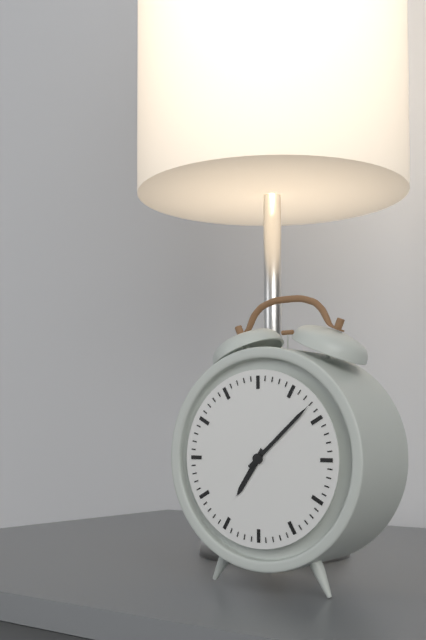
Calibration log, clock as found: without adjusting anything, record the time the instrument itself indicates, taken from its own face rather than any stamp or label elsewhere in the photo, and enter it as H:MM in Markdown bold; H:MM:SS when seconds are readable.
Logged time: **7:08**
